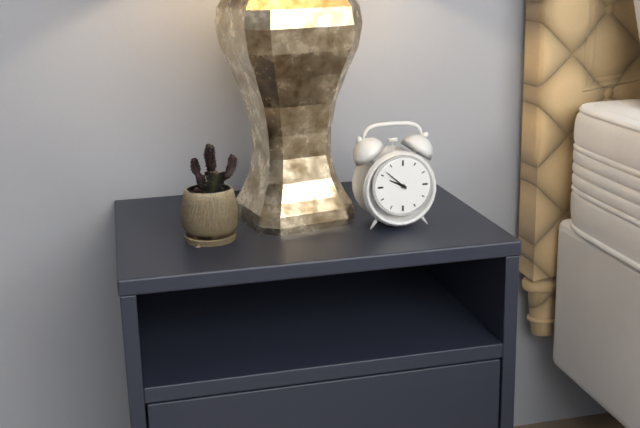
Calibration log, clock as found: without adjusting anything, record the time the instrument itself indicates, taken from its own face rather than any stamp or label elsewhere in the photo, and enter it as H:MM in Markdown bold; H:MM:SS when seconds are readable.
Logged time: **9:52**
